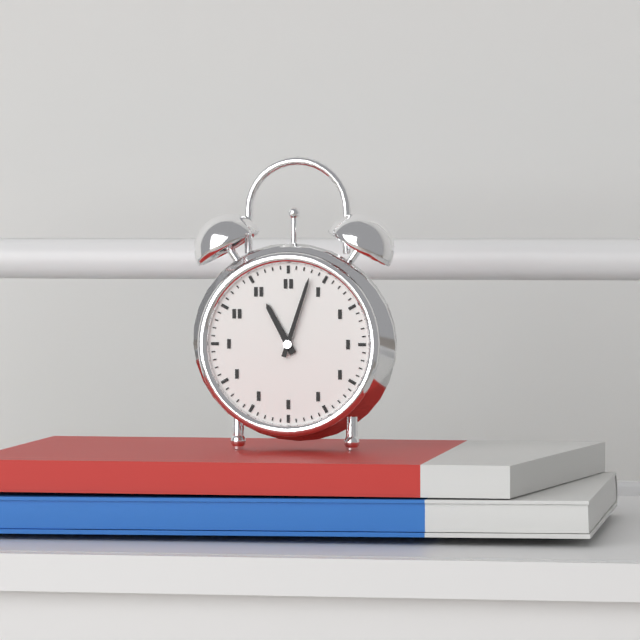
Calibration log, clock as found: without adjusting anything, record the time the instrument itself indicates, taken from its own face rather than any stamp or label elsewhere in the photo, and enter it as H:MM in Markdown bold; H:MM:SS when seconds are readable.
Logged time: **11:03**
